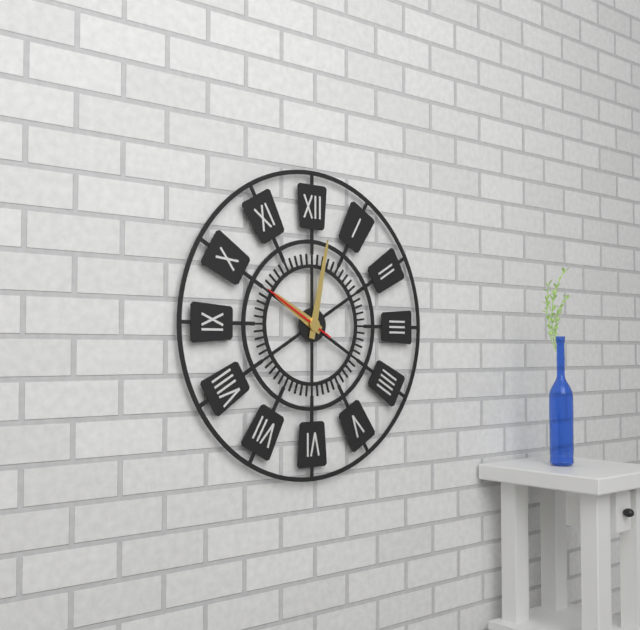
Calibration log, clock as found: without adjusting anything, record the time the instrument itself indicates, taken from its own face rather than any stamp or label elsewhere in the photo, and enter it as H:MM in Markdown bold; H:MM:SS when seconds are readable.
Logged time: **10:02:50**
